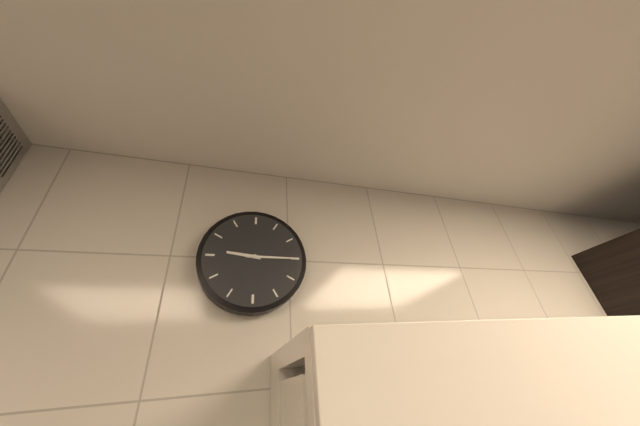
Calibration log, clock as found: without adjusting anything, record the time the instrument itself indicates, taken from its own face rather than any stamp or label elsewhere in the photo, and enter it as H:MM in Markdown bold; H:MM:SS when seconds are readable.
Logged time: **9:15**
